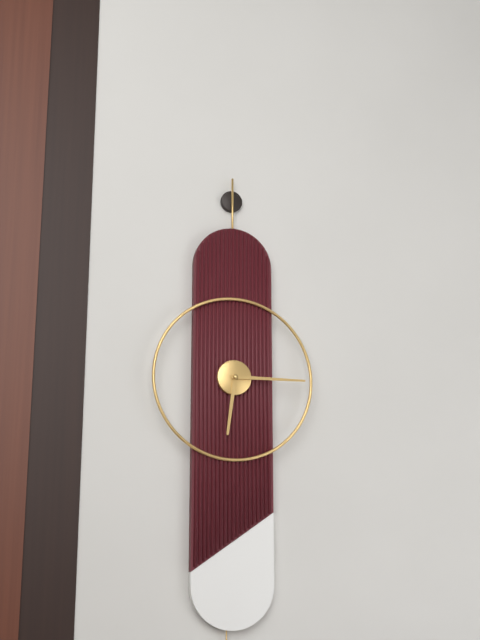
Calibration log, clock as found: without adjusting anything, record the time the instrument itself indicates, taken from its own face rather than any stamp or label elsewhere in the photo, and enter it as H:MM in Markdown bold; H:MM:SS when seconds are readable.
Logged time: **6:15**
